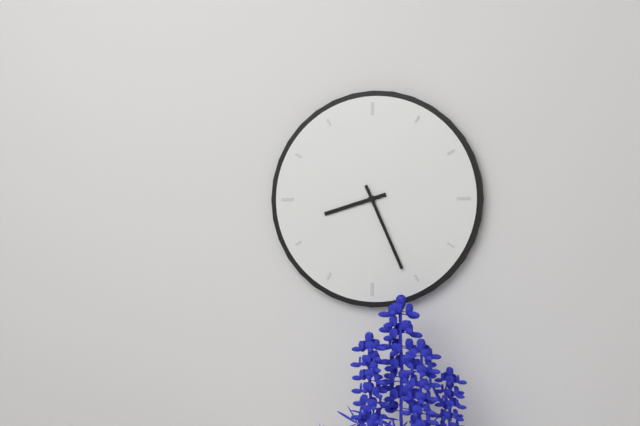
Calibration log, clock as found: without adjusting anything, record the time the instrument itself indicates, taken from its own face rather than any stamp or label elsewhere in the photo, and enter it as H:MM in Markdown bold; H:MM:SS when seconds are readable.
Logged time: **8:26**
